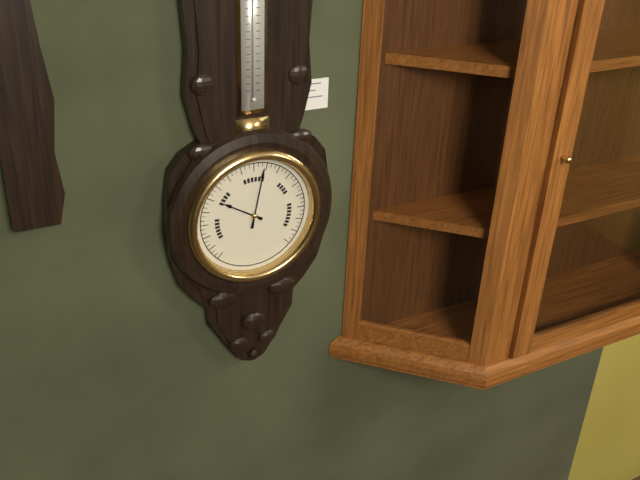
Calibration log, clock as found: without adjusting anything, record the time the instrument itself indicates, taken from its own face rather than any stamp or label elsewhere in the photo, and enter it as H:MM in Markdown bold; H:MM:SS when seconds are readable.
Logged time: **10:02**
